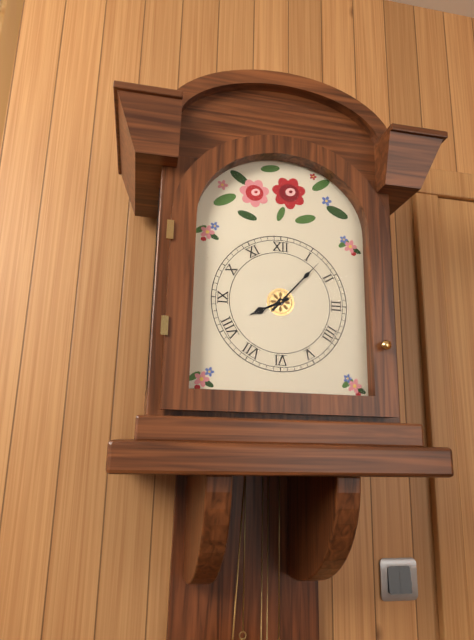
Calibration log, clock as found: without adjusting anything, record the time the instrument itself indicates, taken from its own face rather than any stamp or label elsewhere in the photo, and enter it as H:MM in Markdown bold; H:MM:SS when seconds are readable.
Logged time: **8:07**
